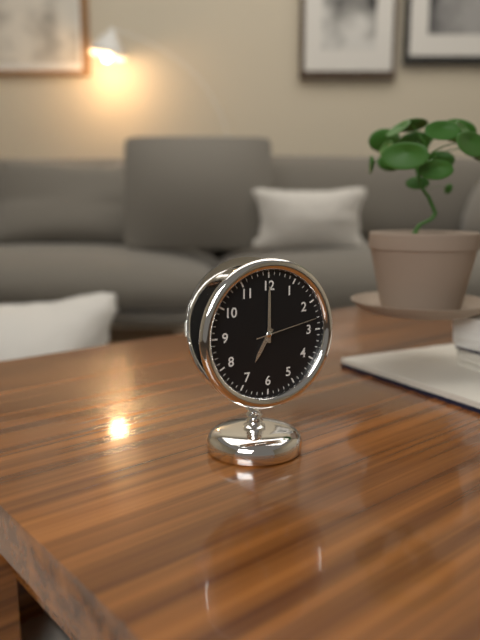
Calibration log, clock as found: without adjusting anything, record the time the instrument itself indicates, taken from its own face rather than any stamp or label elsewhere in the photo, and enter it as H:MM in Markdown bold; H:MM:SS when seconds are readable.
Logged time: **7:00:13**
